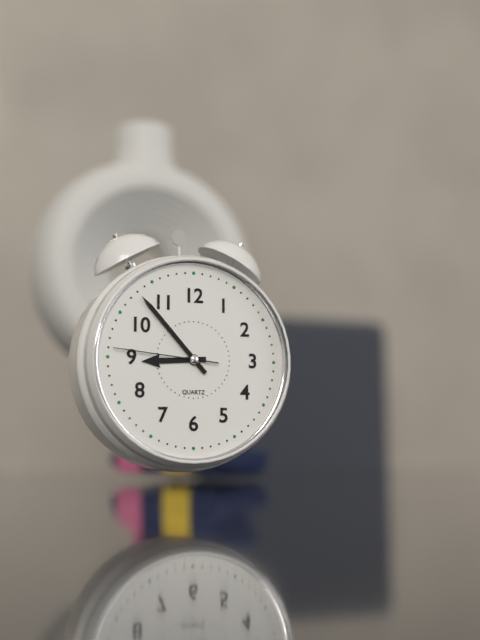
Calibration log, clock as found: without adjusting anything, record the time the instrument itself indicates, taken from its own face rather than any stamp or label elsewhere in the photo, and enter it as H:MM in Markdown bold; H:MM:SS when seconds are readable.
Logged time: **8:53:46**
